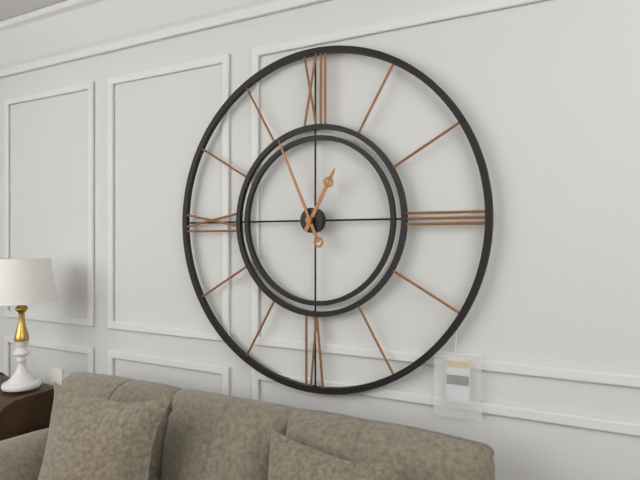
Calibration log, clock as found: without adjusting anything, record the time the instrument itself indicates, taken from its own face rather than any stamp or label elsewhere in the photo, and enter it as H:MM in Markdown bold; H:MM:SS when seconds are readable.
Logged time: **12:56**
